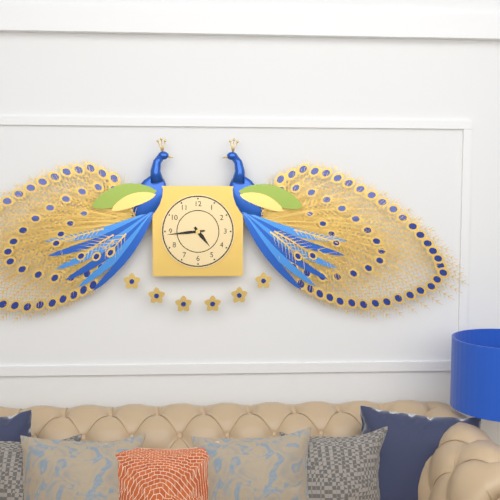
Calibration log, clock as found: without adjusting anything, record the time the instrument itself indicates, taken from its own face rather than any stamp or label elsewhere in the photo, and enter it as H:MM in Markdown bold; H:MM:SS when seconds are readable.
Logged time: **4:44**
